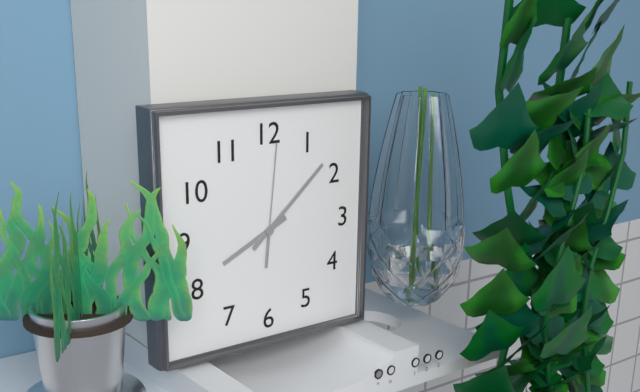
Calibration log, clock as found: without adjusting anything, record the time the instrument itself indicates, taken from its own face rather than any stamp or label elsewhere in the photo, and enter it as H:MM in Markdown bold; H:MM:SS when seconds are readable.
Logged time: **8:08:01**
